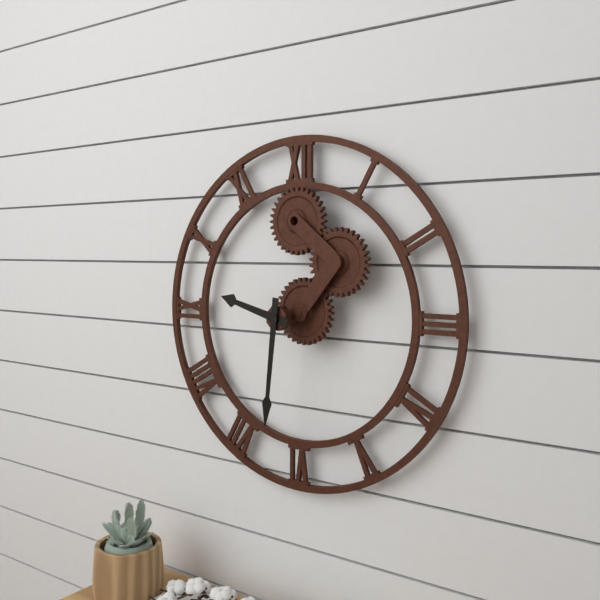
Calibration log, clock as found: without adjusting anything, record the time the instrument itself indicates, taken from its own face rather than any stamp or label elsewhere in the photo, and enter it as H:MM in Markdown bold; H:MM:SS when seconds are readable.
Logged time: **9:31**
